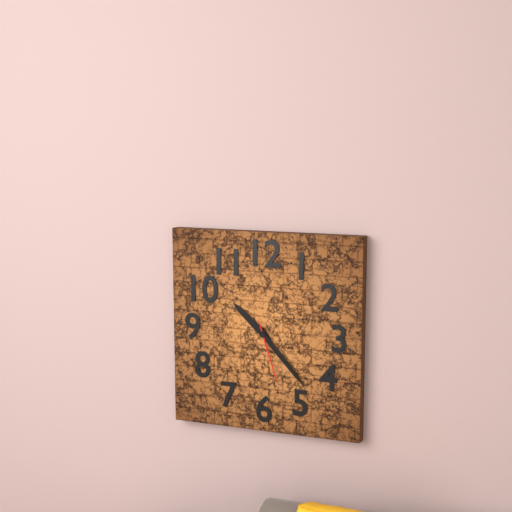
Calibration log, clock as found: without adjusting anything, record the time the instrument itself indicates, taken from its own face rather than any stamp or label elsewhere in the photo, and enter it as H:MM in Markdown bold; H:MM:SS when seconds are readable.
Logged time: **10:23:27**
